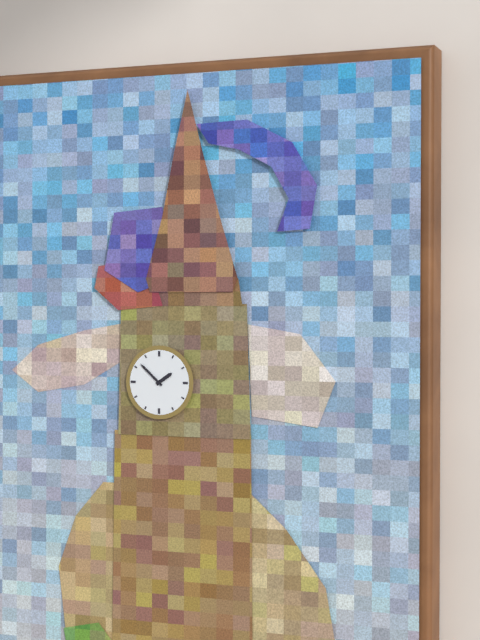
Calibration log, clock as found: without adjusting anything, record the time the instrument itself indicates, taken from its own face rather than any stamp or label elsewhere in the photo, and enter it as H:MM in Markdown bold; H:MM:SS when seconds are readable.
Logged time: **1:52**
